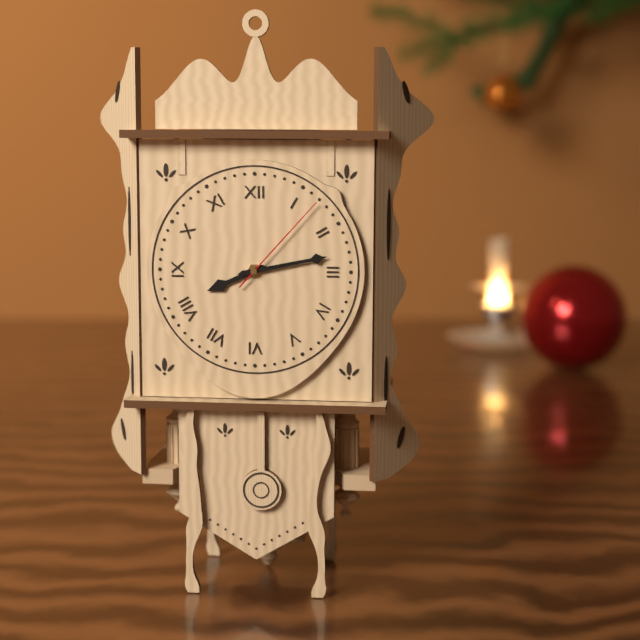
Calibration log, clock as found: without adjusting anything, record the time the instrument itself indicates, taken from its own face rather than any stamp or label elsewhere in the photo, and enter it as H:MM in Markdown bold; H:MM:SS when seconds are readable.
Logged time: **8:13:07**
